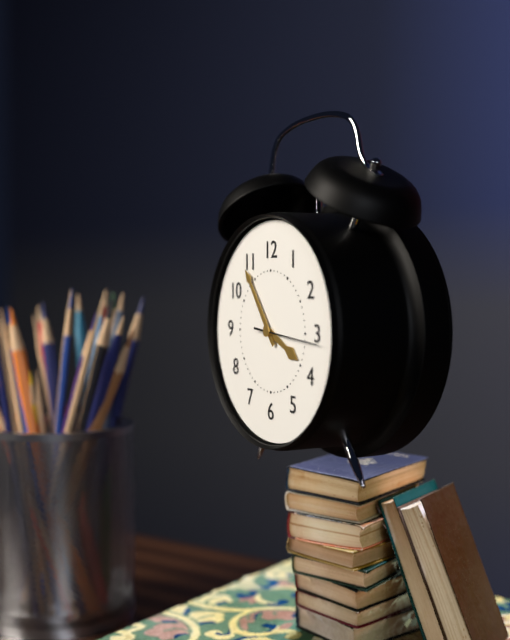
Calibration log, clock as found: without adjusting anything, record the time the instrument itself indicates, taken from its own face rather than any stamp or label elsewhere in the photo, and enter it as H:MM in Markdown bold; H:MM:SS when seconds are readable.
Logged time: **3:54:16**
